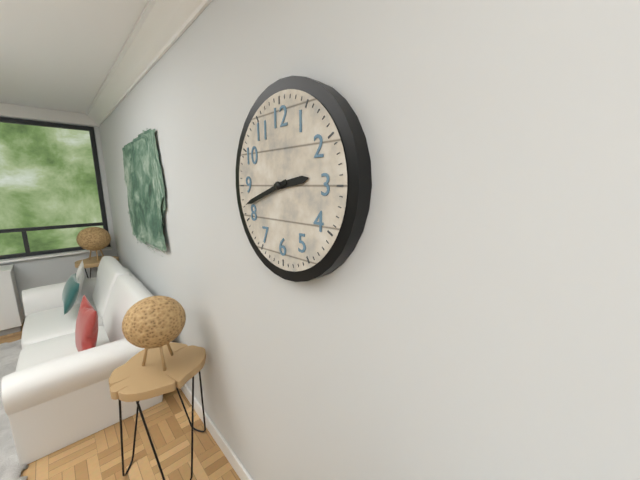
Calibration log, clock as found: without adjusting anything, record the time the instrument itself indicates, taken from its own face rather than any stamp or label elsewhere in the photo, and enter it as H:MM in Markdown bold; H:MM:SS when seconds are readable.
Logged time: **2:42**
